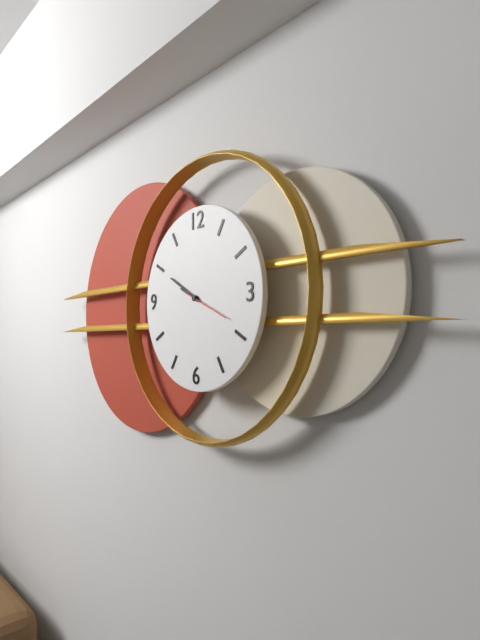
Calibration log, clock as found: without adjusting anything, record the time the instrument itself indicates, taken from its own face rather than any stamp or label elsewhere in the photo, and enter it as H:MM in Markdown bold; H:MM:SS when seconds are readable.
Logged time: **9:50**
